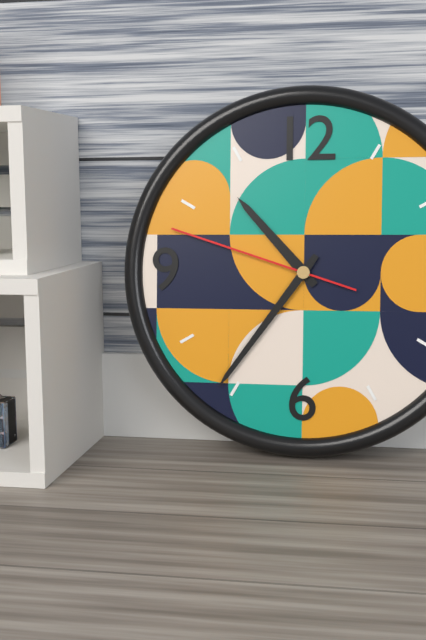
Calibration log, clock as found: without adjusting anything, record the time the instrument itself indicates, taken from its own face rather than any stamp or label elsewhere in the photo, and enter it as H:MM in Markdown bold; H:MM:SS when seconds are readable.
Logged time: **10:36:48**
